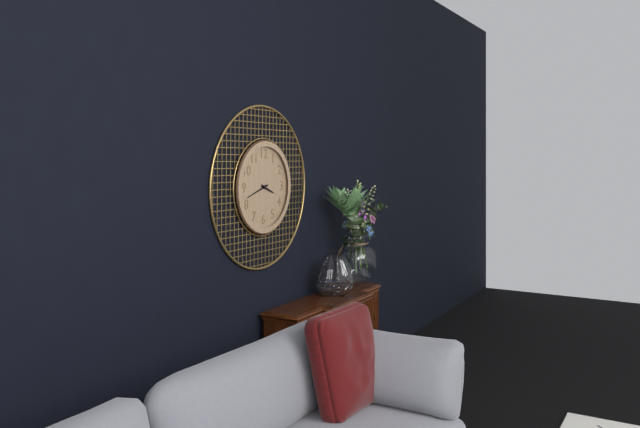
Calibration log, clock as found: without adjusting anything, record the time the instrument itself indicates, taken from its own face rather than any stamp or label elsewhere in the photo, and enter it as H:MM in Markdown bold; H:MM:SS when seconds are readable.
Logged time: **3:42**
